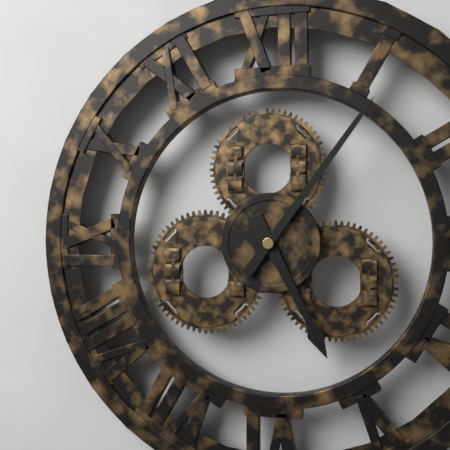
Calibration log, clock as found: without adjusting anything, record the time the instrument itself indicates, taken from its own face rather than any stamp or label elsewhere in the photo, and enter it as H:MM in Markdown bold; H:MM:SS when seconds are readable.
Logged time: **5:06**
